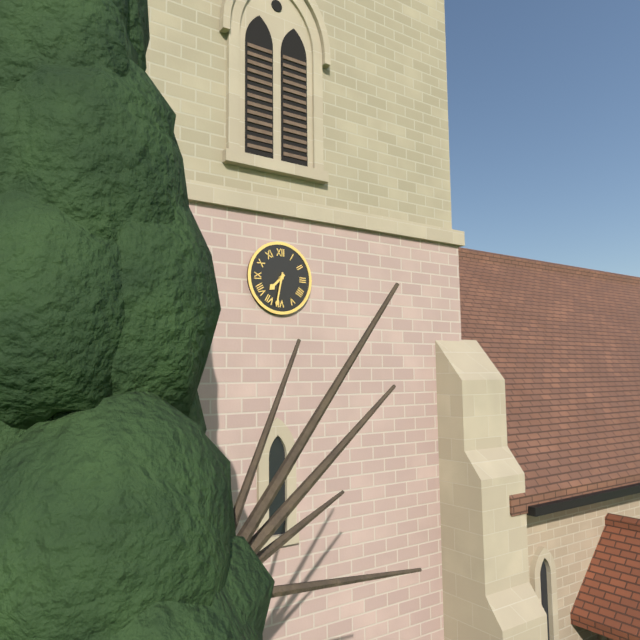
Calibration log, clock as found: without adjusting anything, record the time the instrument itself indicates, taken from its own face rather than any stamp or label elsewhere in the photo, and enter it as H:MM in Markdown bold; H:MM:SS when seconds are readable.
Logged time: **7:32**
